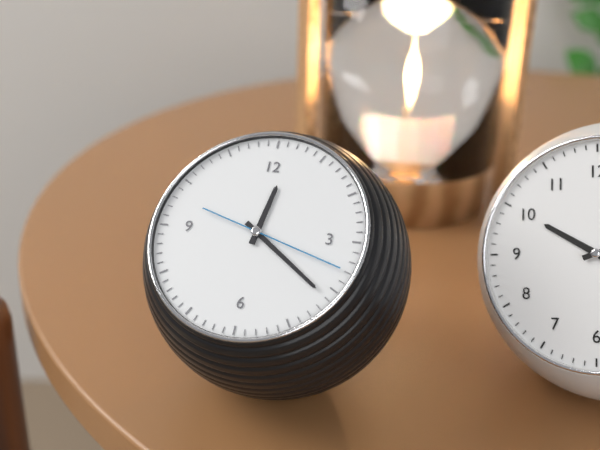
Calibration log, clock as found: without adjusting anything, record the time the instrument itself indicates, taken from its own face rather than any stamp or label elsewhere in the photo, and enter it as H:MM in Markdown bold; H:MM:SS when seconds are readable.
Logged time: **12:21:18**
